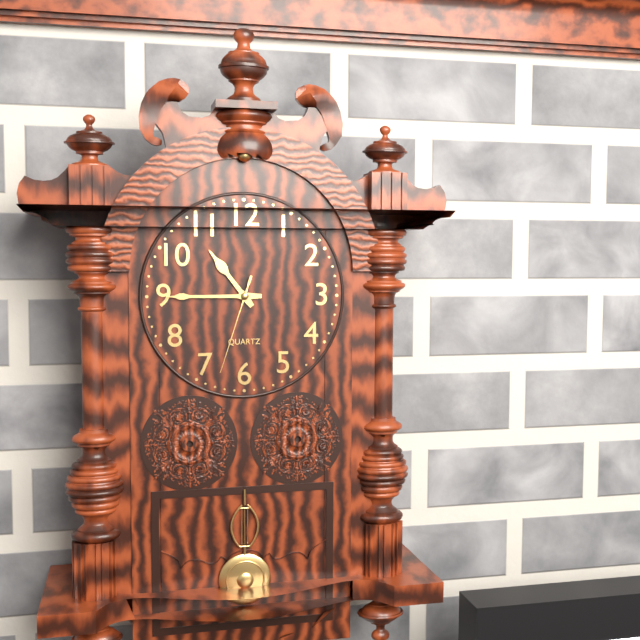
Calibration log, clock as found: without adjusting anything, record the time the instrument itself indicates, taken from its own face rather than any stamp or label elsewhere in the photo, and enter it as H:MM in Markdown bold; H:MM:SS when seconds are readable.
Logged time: **10:45:33**
